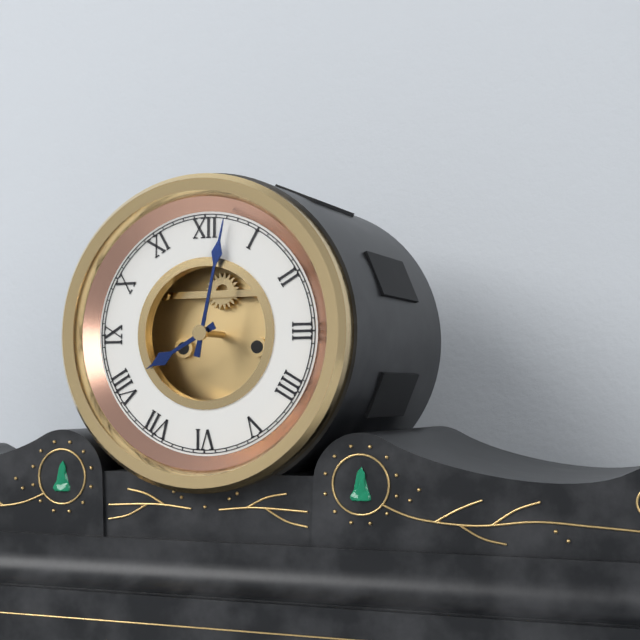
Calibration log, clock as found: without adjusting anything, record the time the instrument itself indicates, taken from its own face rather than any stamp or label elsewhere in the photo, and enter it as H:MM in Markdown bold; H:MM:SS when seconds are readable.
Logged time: **8:02**
